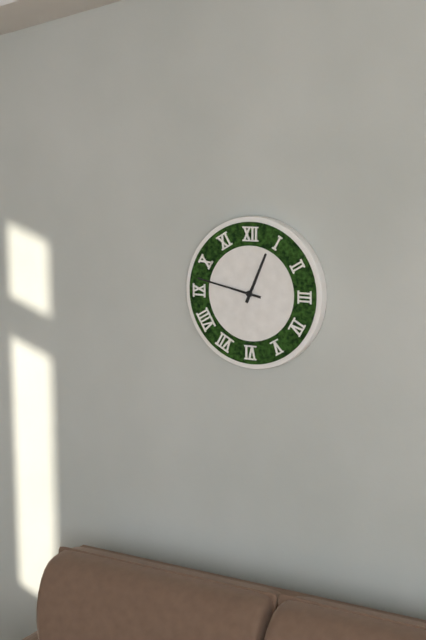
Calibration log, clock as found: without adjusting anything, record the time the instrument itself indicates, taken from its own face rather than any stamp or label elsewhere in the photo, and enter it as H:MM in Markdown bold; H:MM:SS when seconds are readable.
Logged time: **12:47**
